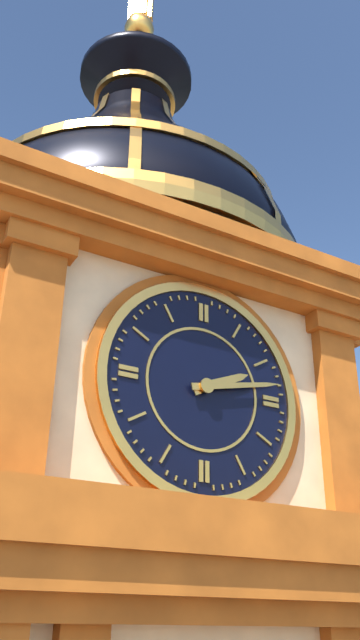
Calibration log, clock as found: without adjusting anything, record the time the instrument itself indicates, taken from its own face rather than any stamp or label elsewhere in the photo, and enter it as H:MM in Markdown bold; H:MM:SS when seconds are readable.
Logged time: **2:13**
